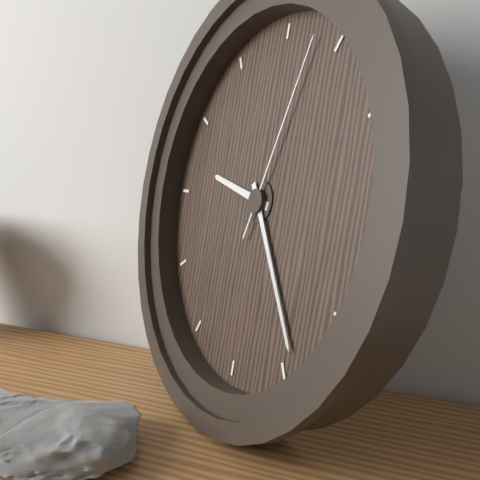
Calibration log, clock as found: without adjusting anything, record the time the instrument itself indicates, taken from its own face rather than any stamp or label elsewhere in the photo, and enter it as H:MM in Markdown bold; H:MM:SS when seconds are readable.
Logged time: **9:24:03**
